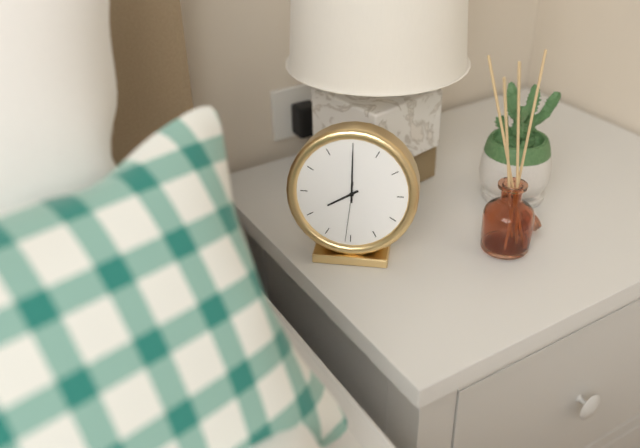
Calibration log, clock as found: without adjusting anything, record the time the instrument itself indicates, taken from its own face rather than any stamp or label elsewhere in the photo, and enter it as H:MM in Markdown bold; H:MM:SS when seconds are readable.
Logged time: **8:00:31**
